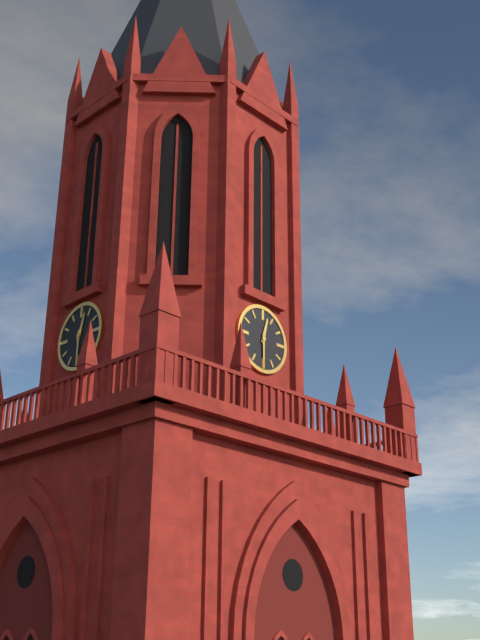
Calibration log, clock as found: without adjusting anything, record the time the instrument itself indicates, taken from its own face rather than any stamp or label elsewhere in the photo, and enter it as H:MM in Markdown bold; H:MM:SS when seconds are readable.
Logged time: **12:30**
